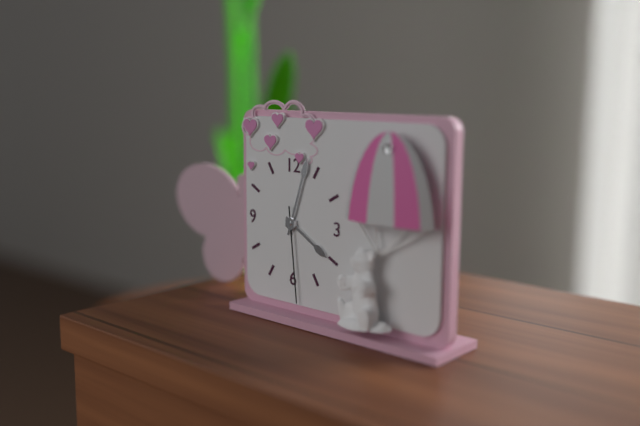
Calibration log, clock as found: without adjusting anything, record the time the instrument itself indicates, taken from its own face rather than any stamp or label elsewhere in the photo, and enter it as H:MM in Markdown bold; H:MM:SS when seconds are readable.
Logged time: **4:03:29**
